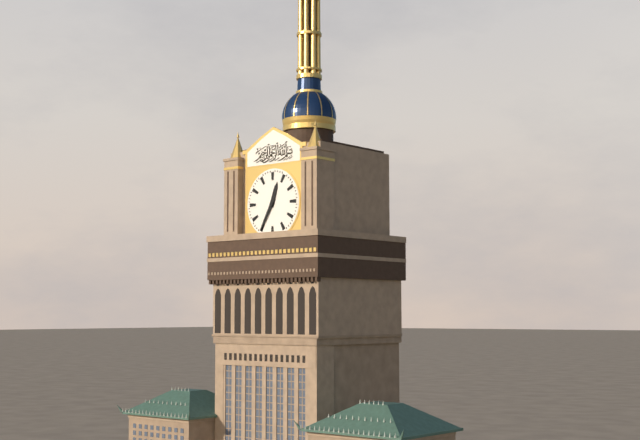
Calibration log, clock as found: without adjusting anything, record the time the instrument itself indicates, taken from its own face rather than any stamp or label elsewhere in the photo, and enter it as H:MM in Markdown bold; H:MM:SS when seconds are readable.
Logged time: **12:35**
